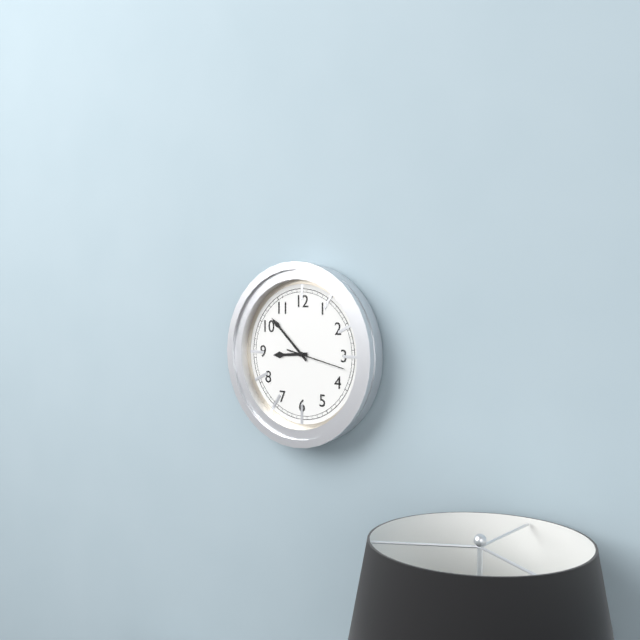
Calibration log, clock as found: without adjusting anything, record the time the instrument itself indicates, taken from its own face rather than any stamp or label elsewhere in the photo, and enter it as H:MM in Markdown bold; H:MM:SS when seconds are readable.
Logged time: **8:52**
